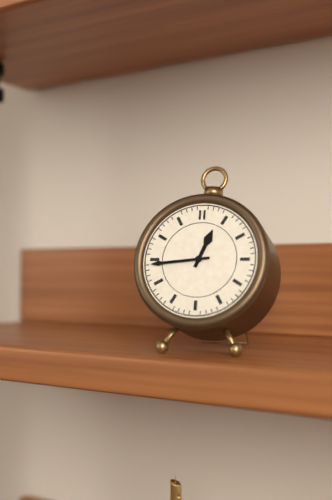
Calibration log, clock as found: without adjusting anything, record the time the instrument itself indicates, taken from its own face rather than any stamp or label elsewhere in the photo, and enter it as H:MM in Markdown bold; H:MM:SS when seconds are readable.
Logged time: **12:44**
